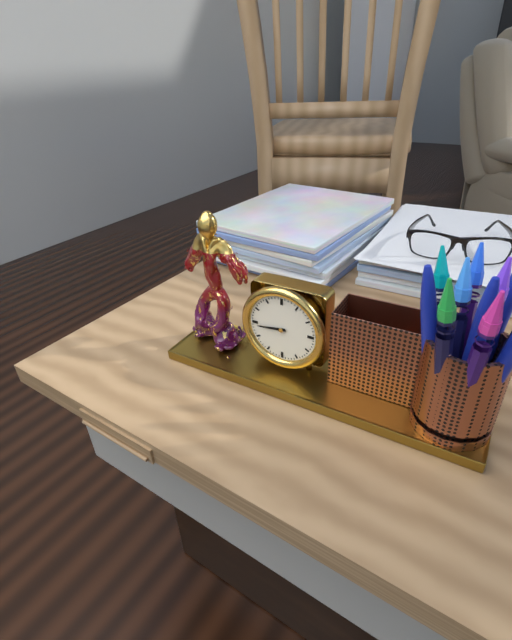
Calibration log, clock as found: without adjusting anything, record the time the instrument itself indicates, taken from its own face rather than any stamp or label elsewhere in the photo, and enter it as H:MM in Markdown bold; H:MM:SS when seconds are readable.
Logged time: **8:44**
